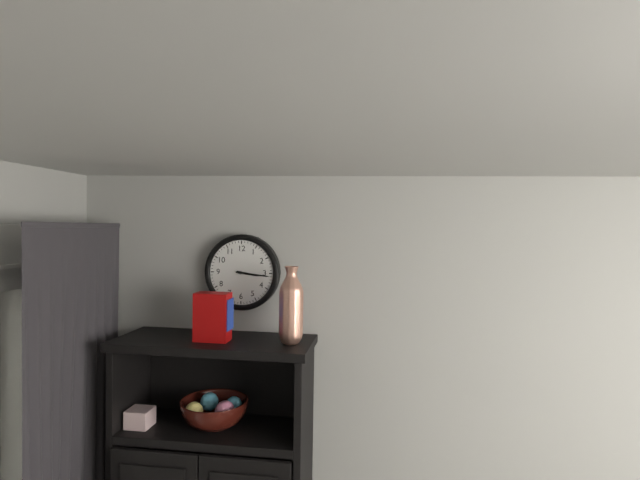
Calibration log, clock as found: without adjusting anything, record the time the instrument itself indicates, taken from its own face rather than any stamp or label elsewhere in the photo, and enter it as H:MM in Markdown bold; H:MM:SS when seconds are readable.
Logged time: **3:16**
